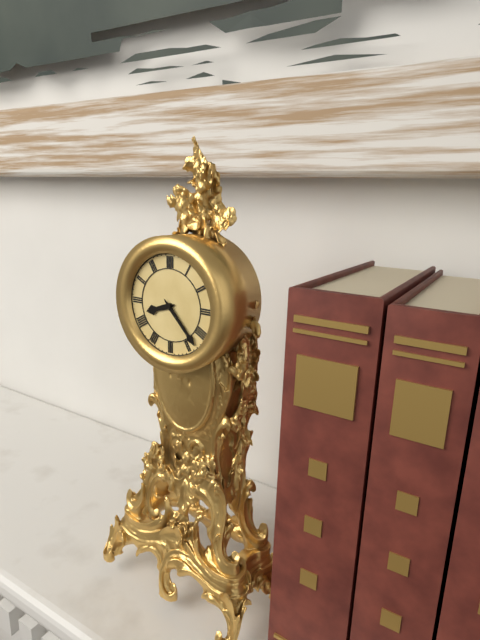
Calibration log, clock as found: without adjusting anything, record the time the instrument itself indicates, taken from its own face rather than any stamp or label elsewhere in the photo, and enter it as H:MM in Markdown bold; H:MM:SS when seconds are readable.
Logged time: **8:23**
